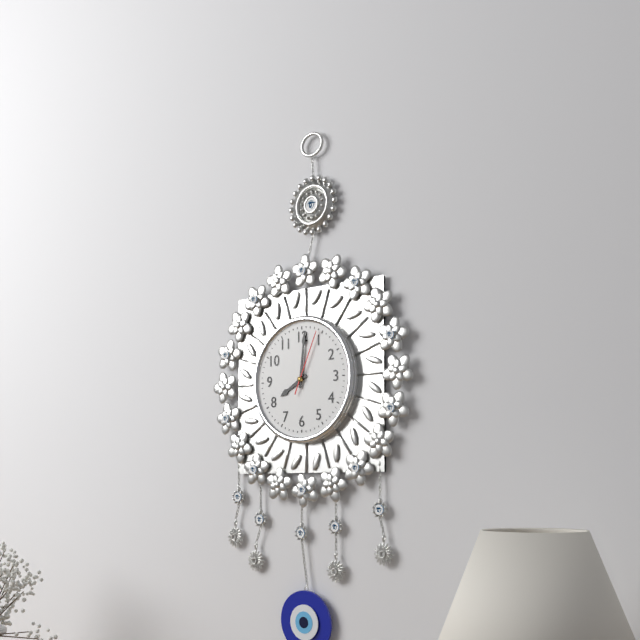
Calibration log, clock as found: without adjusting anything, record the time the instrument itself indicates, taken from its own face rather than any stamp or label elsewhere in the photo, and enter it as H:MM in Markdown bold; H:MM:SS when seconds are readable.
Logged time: **8:01:04**
